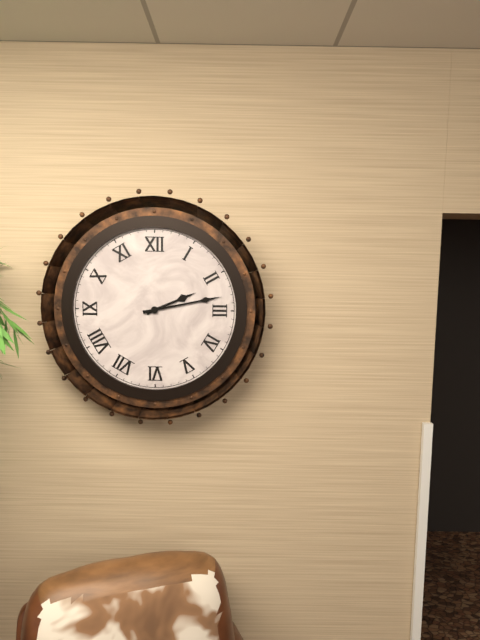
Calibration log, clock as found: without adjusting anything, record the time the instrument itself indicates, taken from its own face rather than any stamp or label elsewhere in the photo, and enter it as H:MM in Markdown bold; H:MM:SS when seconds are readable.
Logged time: **2:13**
